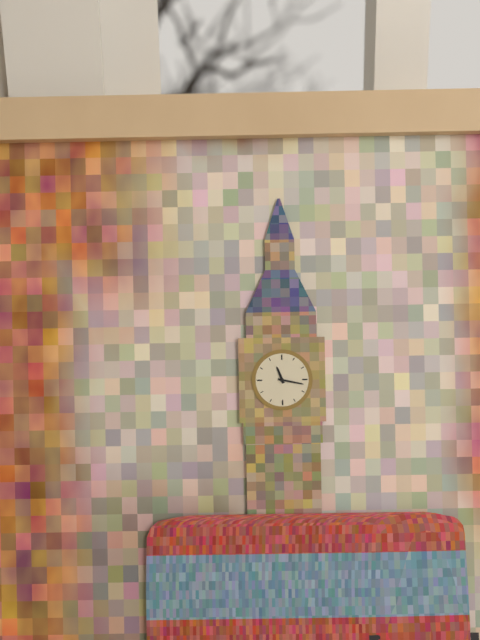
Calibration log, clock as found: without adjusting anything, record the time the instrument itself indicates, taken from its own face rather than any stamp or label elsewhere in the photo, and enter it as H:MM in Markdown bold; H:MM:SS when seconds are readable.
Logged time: **11:17**
